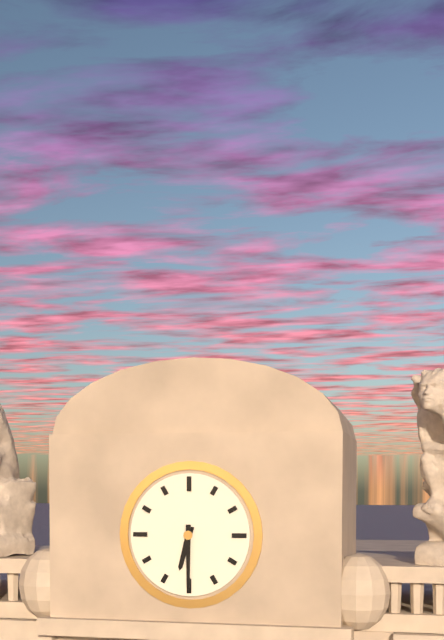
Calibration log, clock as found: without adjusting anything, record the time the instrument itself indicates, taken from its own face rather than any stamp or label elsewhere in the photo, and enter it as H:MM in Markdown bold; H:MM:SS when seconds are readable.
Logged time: **6:30**
